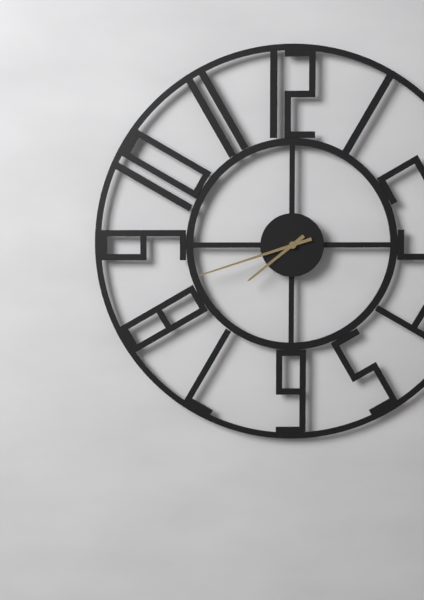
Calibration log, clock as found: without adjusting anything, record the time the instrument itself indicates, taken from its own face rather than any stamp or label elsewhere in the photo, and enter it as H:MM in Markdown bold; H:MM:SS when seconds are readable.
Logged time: **7:42**
